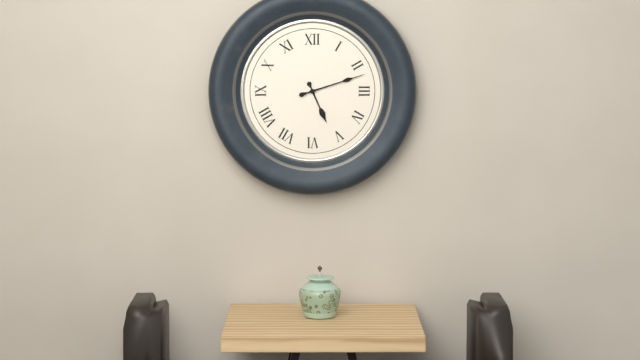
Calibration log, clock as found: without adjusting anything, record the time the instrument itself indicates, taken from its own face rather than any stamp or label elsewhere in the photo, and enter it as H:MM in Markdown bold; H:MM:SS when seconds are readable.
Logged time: **5:12**
